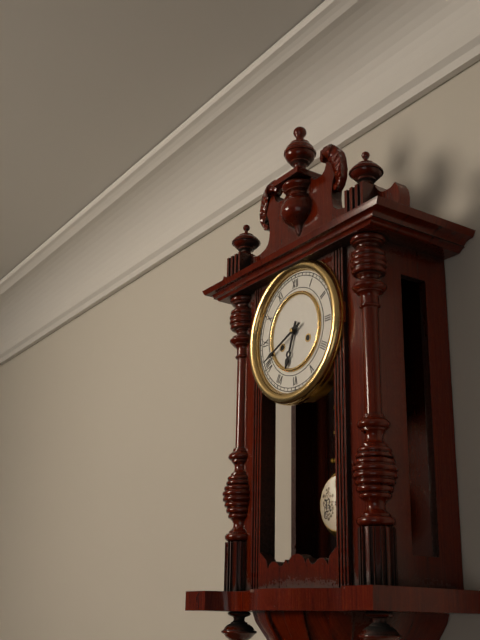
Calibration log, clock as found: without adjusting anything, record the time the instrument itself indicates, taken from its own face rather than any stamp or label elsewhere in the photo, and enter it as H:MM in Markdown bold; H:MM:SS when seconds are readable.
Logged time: **6:41**
